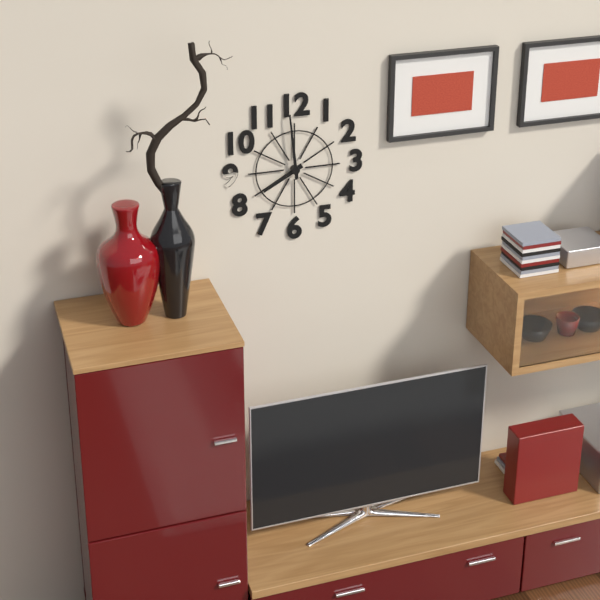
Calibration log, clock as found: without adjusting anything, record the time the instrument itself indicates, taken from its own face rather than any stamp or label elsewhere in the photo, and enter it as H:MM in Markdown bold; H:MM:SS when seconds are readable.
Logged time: **7:59**
